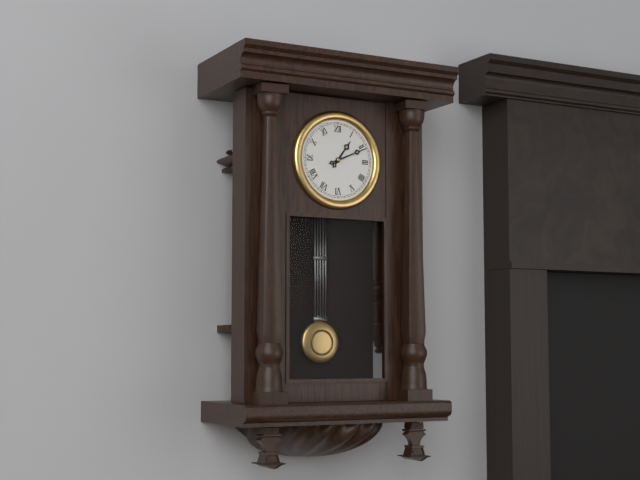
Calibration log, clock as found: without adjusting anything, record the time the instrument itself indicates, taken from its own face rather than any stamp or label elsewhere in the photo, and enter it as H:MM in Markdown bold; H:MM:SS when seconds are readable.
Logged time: **1:11**
